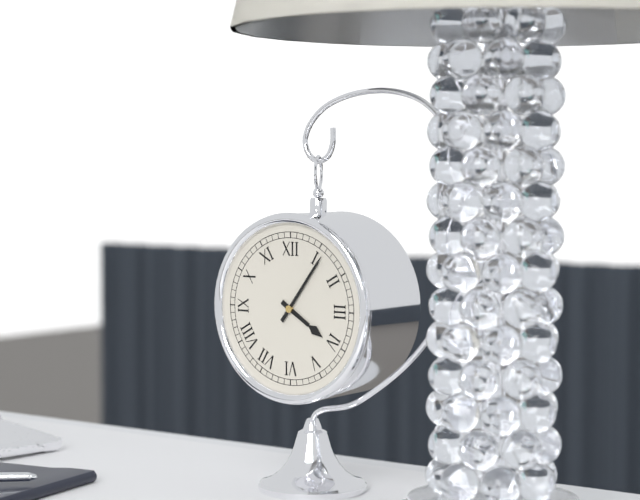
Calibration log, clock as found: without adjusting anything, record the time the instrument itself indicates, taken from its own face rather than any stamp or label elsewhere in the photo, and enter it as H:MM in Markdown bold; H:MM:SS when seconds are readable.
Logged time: **4:06**
